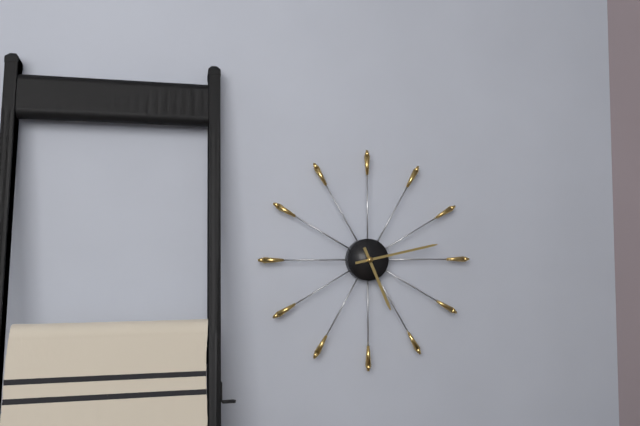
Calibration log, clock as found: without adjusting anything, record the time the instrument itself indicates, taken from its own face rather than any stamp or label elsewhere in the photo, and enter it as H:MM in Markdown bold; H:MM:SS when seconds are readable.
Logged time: **5:13**
